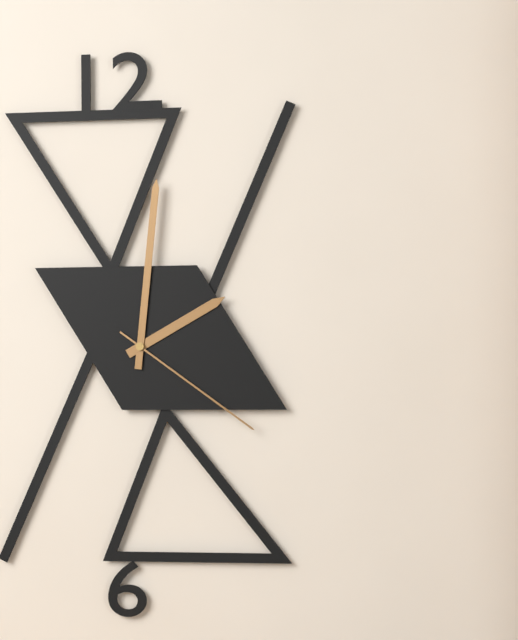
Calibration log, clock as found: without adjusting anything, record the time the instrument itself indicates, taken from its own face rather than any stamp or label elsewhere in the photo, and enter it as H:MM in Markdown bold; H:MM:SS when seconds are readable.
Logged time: **2:01:21**
